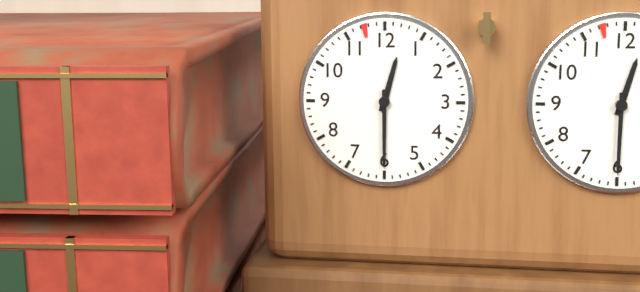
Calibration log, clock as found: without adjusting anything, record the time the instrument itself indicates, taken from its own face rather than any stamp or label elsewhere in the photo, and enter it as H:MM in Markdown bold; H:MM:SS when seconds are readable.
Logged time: **12:30**
